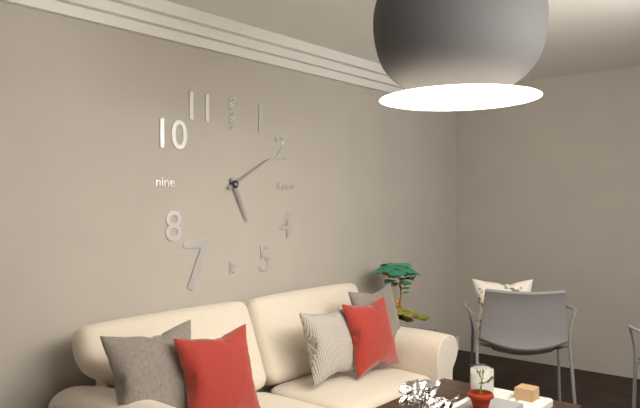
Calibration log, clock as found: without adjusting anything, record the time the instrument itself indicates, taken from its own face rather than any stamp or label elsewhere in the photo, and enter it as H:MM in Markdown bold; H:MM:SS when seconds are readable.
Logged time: **5:10**
